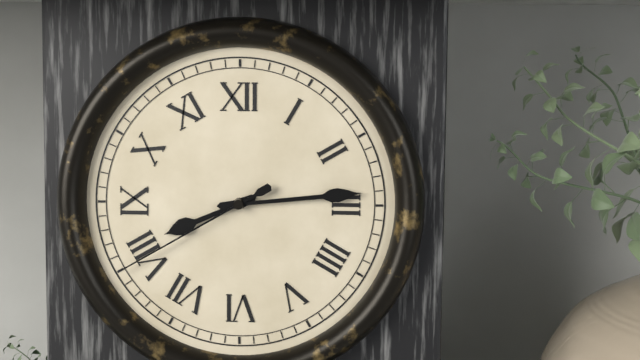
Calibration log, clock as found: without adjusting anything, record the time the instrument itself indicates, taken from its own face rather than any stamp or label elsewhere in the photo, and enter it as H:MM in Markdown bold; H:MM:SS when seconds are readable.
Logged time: **8:14:40**
